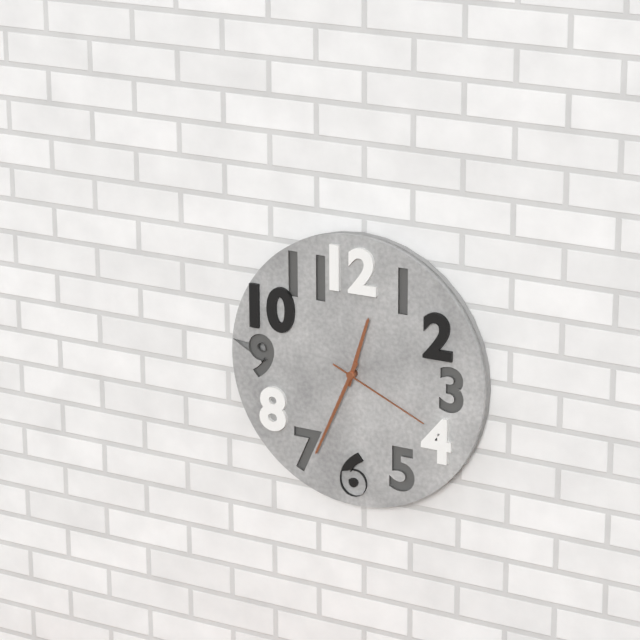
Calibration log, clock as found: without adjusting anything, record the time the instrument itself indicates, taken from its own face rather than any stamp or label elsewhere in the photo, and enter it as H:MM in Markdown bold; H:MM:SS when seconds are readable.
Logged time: **12:34:19**
